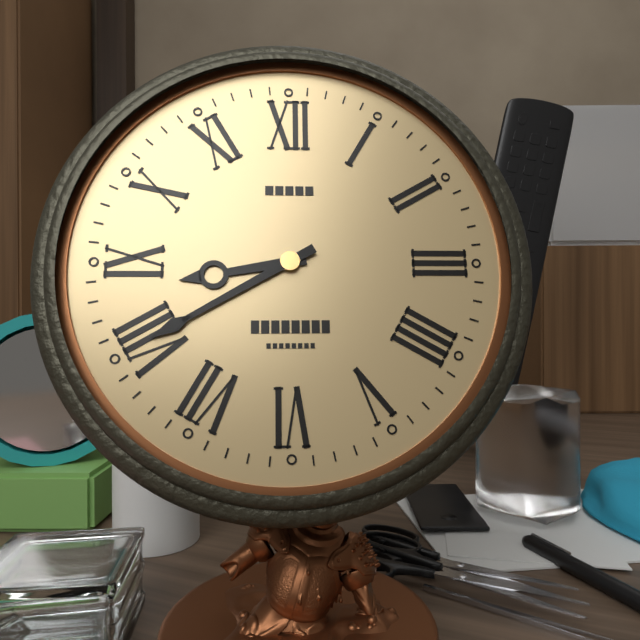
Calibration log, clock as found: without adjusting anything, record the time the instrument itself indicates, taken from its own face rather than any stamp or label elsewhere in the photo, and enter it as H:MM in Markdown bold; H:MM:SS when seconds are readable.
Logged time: **8:40**
